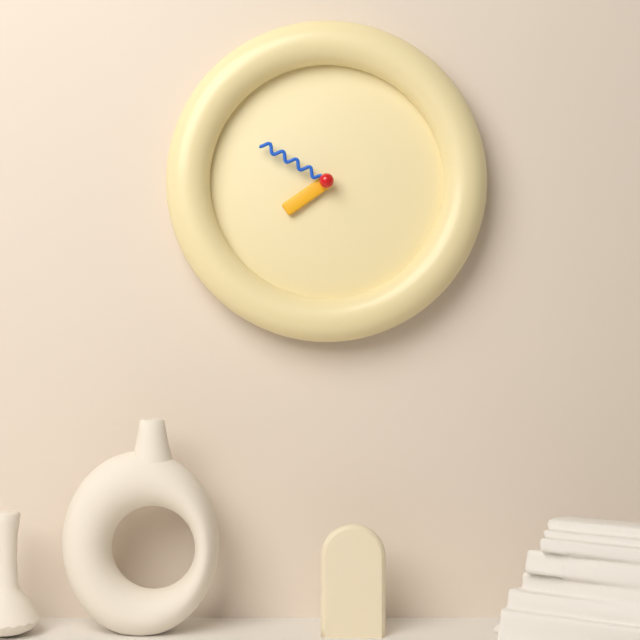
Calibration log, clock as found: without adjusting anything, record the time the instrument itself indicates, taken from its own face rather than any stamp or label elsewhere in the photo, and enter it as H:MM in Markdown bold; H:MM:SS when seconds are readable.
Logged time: **7:50**
